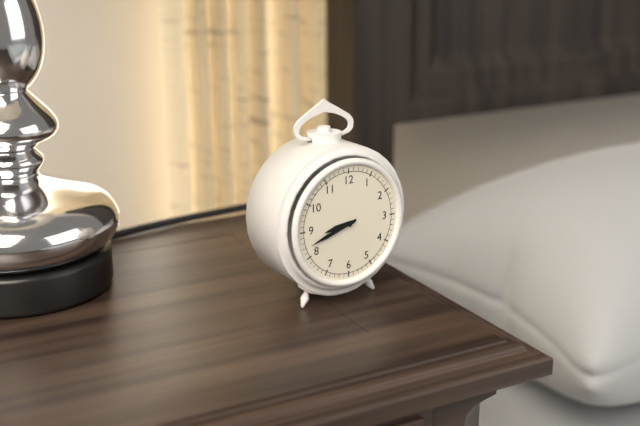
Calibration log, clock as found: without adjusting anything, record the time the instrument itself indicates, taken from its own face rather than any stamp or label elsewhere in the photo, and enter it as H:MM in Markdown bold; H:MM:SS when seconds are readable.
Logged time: **8:42**
